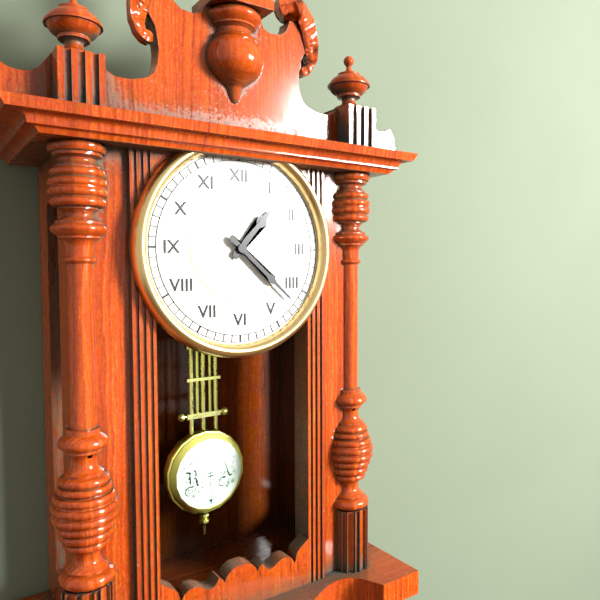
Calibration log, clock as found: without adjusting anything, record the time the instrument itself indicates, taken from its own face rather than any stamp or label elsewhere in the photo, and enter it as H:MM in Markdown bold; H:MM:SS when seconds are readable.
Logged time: **1:22**
